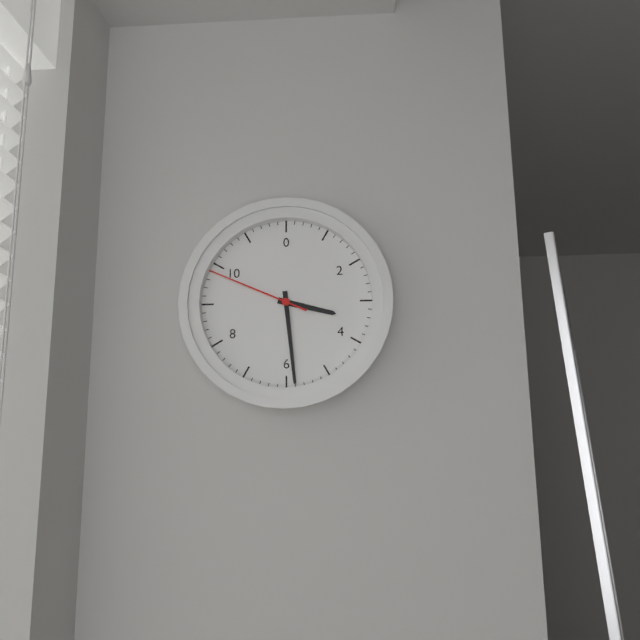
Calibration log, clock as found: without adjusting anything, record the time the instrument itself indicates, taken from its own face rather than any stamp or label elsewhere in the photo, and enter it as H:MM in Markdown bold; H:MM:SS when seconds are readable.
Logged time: **3:29:49**
